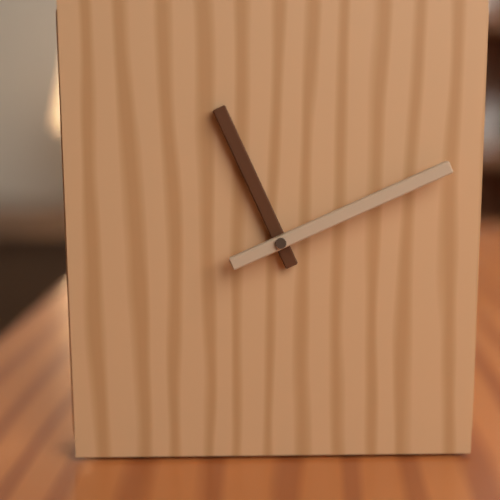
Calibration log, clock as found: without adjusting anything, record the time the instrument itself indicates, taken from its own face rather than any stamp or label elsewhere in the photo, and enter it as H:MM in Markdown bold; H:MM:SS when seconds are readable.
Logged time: **11:11**
